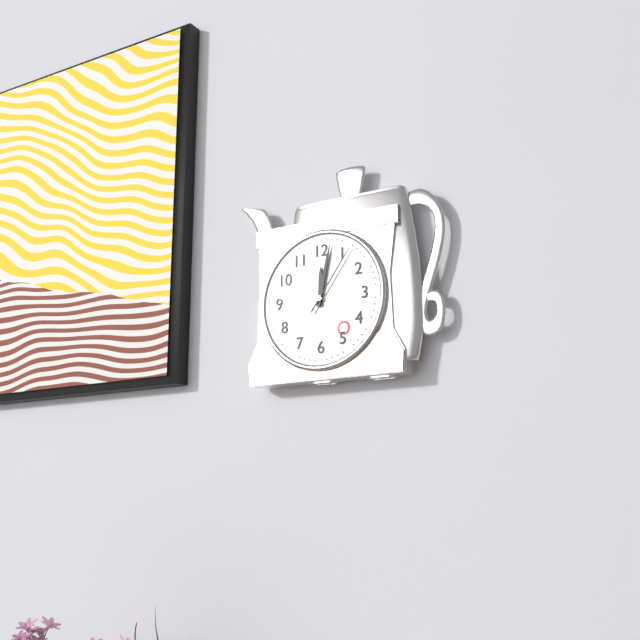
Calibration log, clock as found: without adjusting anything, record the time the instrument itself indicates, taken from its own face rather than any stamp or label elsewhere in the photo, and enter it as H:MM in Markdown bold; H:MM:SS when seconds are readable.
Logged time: **12:02:06**
